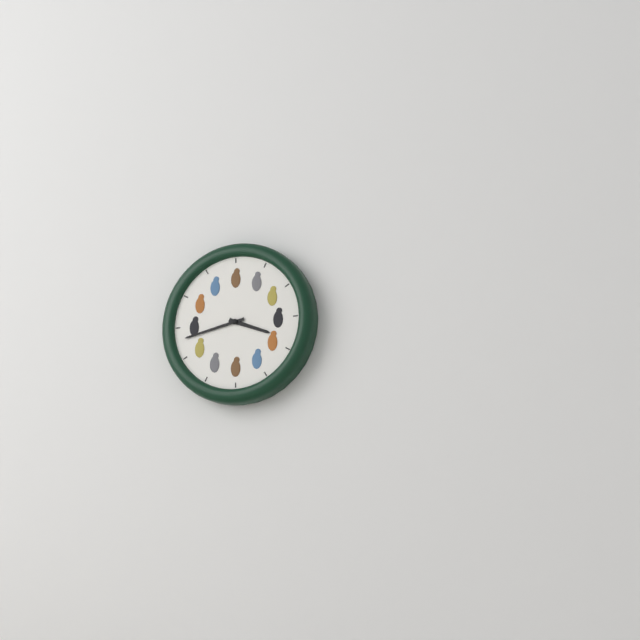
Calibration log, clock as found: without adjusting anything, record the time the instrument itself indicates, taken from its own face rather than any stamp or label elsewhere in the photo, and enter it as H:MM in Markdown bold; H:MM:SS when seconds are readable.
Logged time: **3:43**
